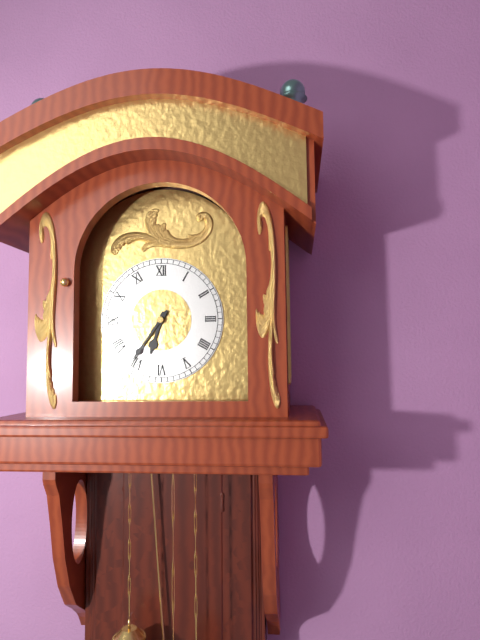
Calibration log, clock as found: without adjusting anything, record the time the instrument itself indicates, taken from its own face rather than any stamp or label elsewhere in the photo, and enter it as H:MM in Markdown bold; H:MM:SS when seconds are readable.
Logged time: **6:36**
